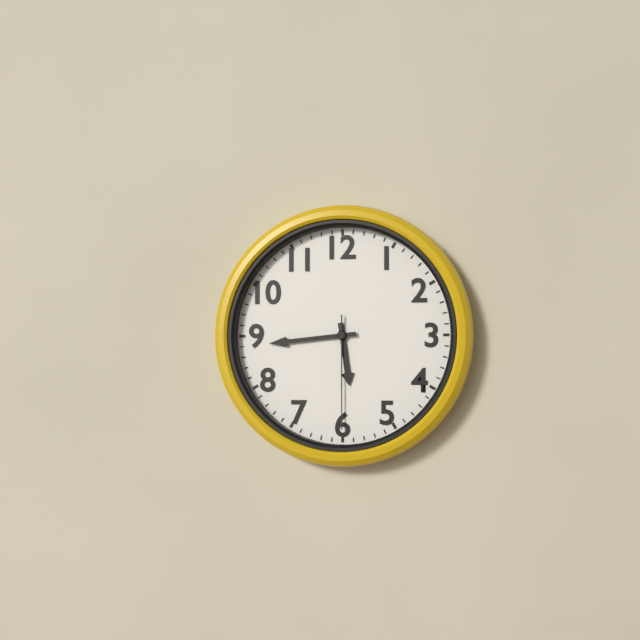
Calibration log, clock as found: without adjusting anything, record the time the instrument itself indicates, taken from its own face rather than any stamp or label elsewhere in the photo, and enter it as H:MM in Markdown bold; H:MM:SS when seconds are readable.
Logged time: **5:44:30**
